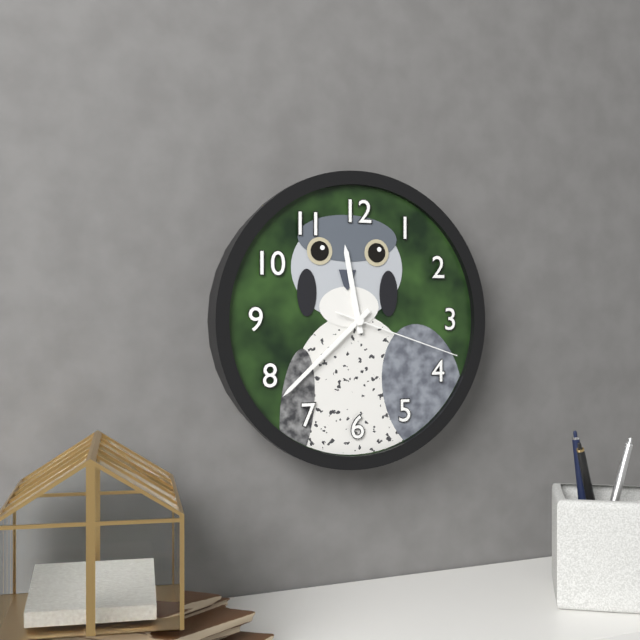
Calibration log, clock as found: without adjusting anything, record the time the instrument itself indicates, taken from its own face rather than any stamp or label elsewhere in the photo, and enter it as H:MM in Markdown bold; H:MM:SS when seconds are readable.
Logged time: **11:38:18**
